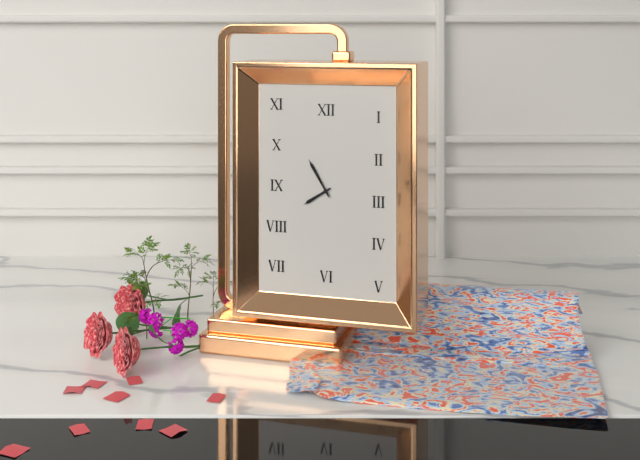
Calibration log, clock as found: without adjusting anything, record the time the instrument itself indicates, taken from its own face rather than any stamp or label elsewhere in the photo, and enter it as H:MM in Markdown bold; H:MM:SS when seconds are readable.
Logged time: **7:55**
